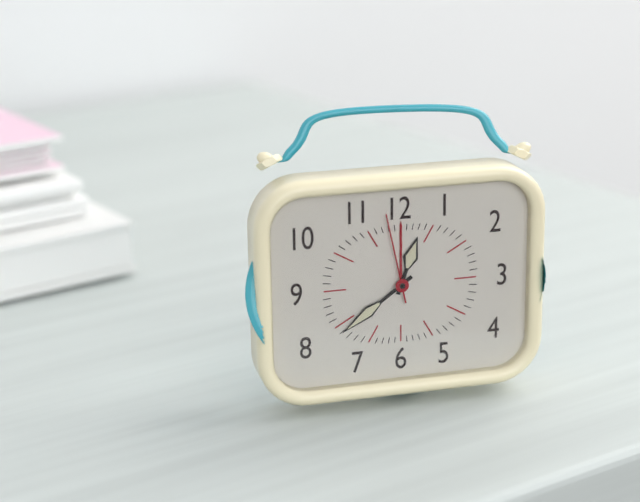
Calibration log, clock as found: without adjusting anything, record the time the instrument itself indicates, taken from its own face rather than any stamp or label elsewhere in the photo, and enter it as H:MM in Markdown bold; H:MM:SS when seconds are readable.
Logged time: **12:39:58**
